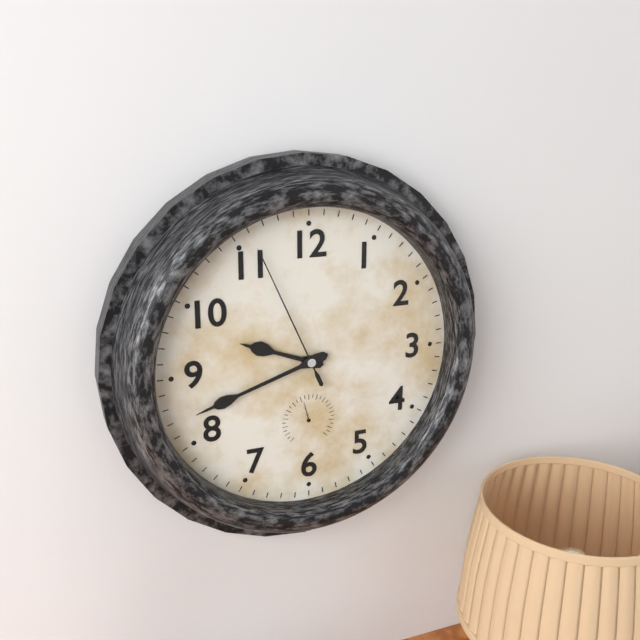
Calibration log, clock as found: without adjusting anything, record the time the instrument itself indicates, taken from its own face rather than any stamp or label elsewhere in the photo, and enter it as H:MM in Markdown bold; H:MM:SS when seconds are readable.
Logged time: **9:42:56**
